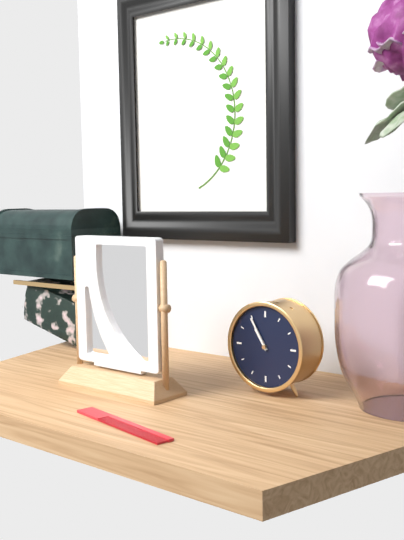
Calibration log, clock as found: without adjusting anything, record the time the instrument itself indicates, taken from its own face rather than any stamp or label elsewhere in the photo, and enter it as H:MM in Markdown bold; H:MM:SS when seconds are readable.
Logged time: **10:55**
